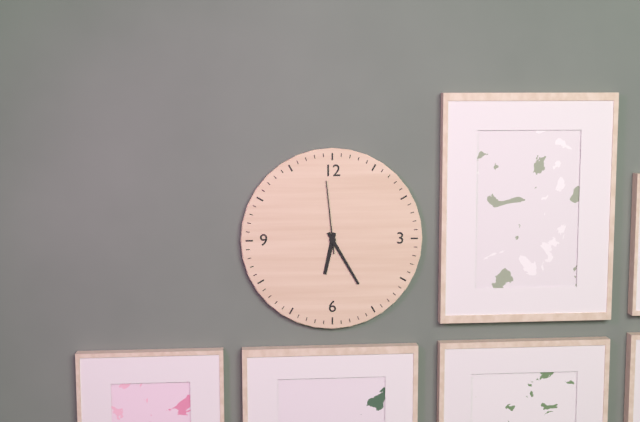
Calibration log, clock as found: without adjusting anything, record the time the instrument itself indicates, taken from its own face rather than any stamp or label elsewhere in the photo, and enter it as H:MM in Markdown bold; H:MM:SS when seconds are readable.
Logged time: **6:25:59**
